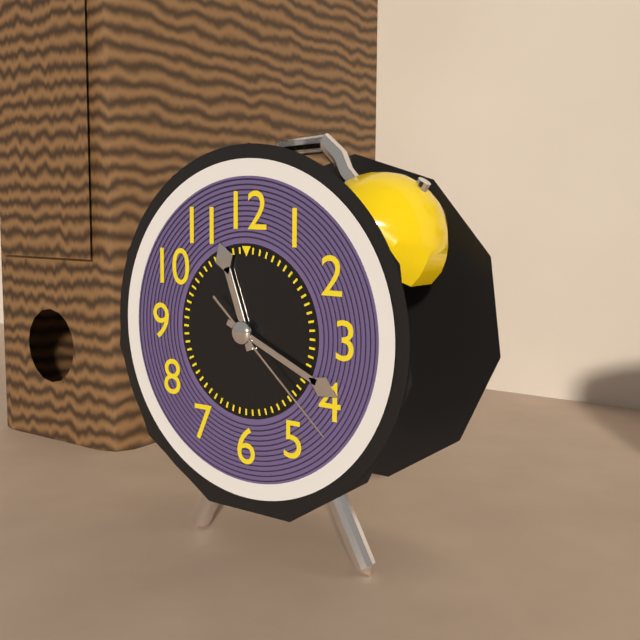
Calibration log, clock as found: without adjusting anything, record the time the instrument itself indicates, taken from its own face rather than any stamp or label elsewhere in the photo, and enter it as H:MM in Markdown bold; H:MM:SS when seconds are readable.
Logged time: **11:19:22**
